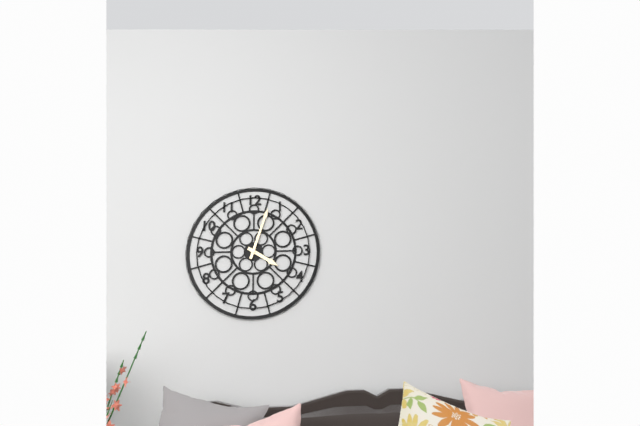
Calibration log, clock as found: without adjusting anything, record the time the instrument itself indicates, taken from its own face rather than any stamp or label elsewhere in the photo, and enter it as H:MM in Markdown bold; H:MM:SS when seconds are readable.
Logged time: **4:03**
